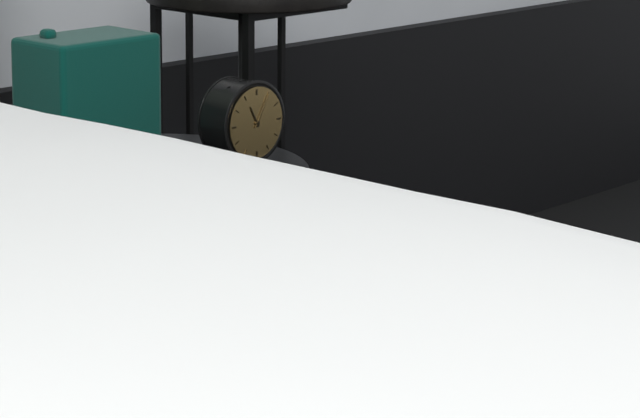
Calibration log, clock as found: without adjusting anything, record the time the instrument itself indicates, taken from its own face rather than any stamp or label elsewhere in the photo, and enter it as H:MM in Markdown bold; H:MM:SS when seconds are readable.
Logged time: **11:05**
